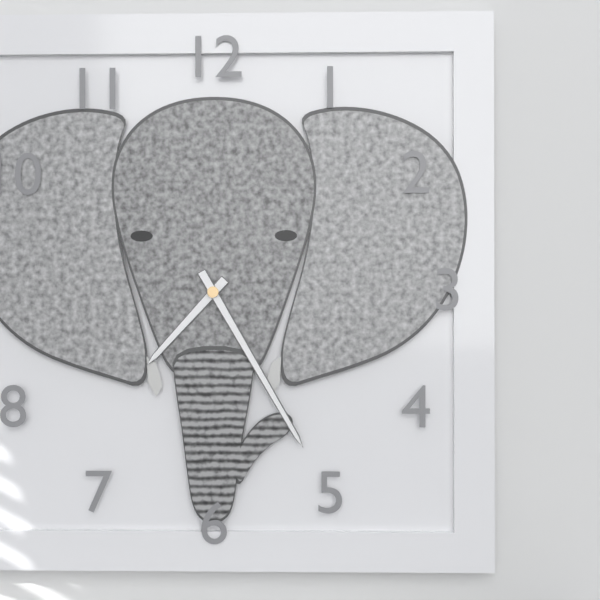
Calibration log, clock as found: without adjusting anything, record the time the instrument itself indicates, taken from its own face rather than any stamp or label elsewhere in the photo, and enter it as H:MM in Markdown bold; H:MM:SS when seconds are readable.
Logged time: **7:25**
